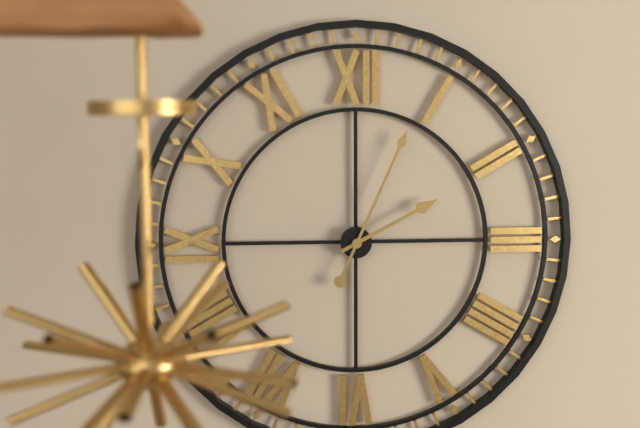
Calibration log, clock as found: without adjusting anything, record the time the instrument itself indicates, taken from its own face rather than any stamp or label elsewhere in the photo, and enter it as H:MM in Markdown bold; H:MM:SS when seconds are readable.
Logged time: **2:04**
